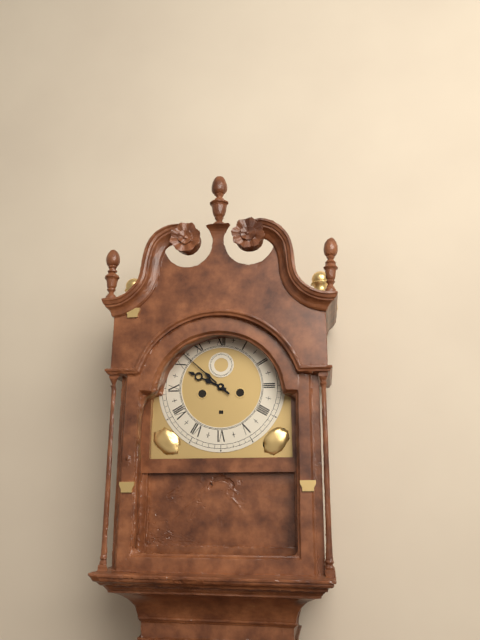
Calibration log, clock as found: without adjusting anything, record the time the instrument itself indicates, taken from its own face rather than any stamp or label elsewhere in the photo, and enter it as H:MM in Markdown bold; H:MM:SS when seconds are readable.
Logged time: **9:52**
